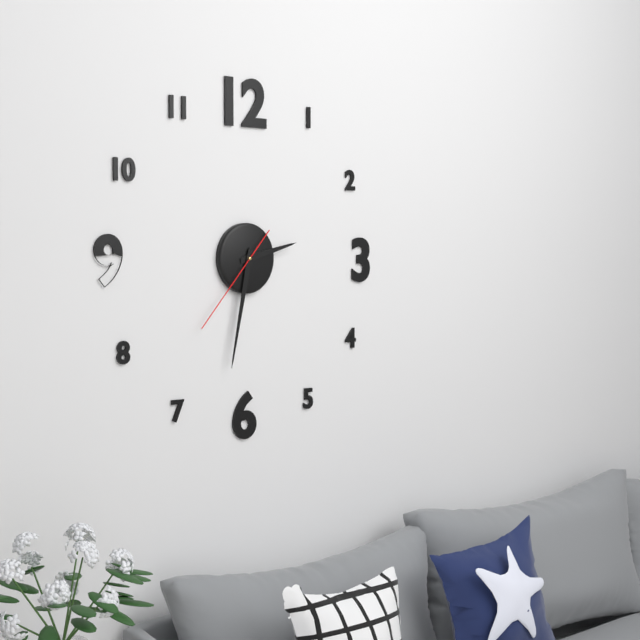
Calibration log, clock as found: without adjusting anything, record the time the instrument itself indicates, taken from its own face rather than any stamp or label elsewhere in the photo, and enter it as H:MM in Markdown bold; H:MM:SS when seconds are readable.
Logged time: **2:32:37**
